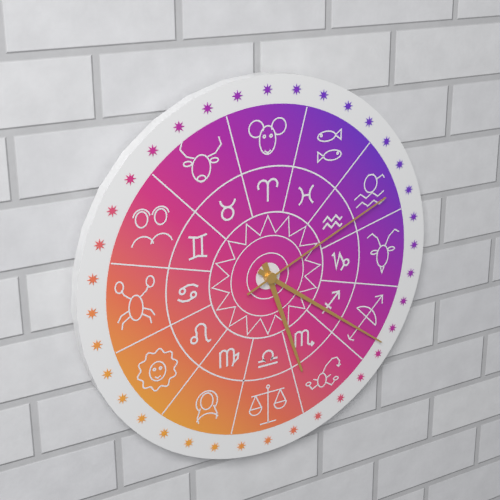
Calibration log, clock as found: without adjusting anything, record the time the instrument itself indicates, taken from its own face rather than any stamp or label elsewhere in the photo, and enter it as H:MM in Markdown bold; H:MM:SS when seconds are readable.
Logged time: **5:21:11**
